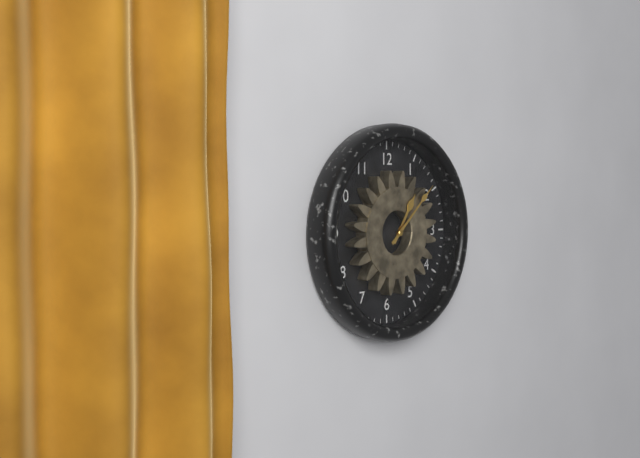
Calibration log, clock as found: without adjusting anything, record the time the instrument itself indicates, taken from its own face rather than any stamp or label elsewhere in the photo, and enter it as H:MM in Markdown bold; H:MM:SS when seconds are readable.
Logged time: **1:08**
